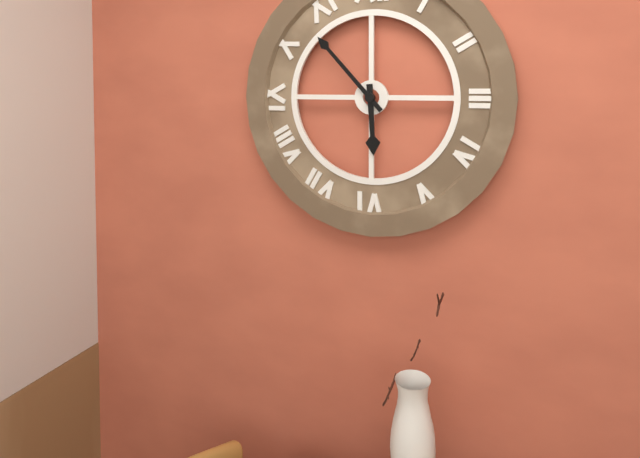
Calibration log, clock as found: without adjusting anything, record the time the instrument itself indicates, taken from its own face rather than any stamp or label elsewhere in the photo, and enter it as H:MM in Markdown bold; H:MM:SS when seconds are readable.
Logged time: **5:53**
